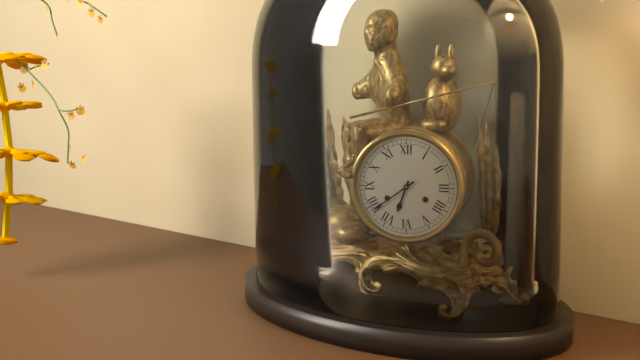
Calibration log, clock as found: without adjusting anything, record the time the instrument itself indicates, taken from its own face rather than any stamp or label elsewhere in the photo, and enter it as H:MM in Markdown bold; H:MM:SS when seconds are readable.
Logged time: **6:39**
